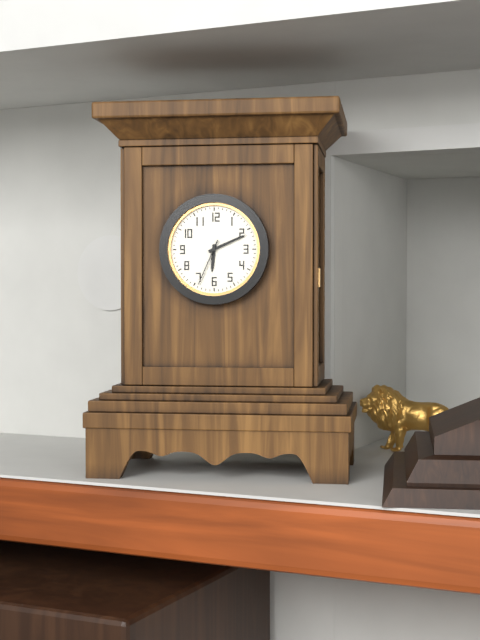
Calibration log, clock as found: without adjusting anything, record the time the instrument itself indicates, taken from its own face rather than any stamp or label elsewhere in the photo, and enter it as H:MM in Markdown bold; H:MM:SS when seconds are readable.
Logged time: **6:11:34**
